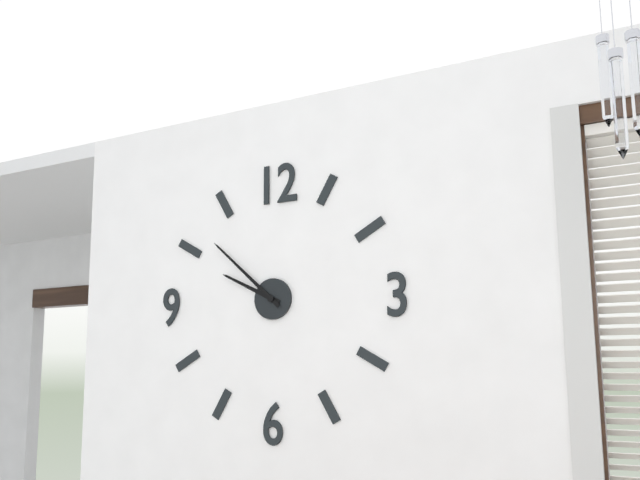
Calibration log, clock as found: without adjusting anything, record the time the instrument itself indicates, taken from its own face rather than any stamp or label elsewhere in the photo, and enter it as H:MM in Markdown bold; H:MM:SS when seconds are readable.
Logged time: **9:52**
